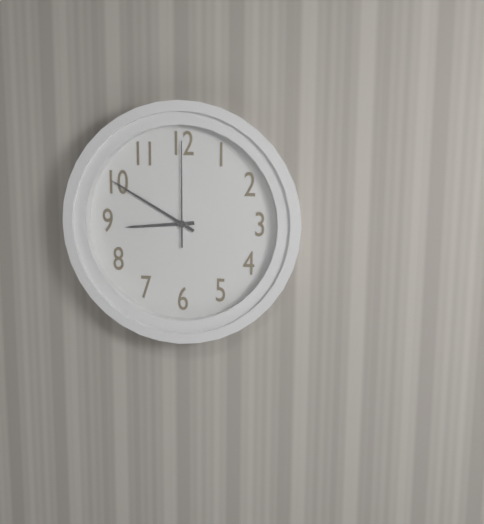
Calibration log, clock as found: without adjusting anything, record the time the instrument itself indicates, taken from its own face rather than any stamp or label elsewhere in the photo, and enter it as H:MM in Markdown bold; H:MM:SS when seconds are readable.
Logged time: **8:50:00**
